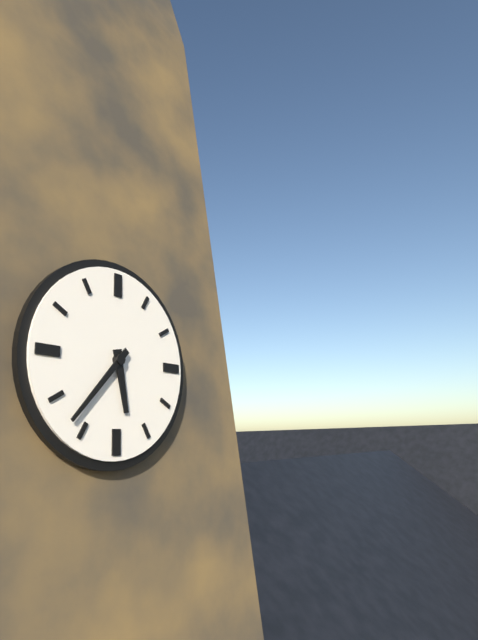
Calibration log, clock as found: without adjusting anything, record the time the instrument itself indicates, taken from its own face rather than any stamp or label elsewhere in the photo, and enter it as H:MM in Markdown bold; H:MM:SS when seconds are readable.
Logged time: **5:37**
